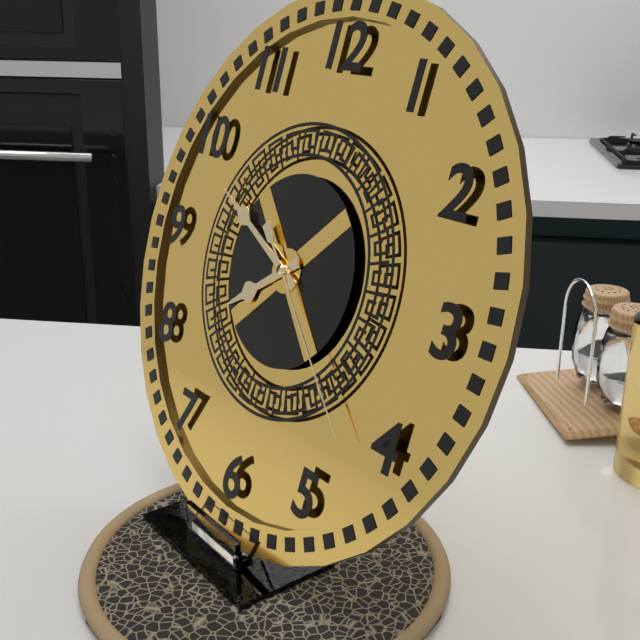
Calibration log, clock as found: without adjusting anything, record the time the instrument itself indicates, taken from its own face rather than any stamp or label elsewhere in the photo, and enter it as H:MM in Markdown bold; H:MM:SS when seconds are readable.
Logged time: **7:49:22**
